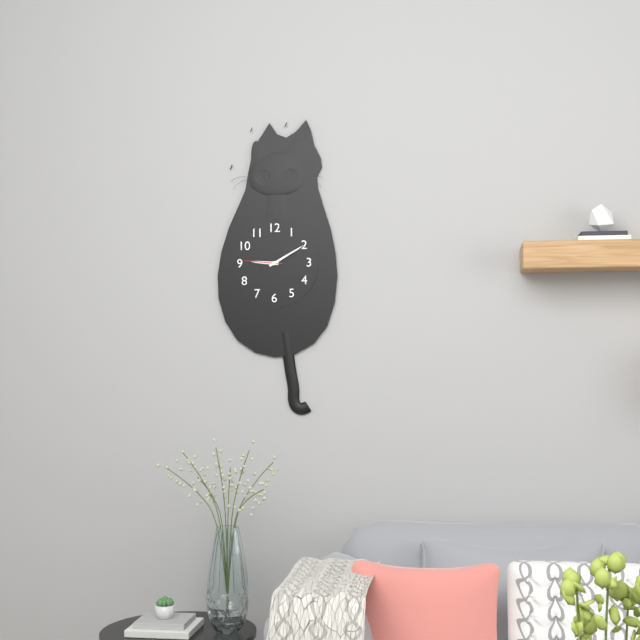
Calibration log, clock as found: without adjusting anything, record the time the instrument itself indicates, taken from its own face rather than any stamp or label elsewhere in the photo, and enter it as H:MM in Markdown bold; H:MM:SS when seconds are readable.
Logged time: **9:10**
